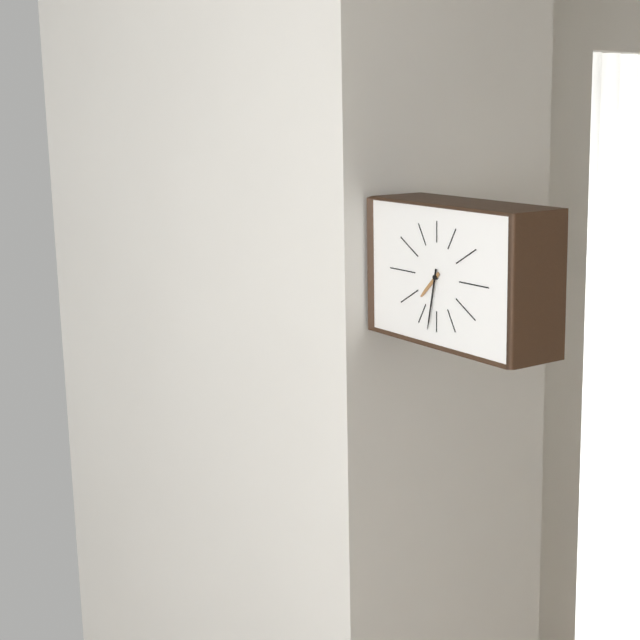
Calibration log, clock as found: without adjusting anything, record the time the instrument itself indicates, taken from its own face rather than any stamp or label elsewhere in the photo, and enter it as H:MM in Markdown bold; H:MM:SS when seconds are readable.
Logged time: **7:32**
